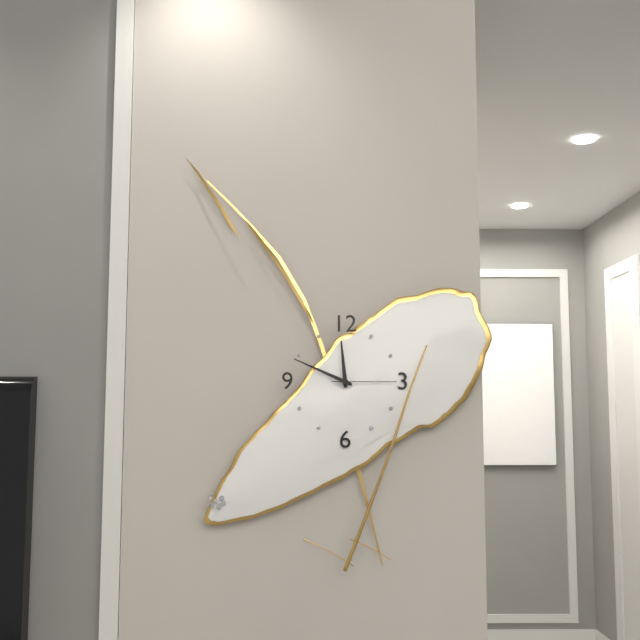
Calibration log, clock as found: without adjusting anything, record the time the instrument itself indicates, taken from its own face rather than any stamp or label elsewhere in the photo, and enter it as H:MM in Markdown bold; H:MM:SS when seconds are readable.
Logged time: **11:49:15**
